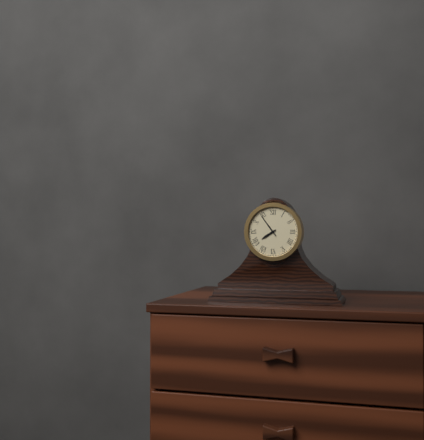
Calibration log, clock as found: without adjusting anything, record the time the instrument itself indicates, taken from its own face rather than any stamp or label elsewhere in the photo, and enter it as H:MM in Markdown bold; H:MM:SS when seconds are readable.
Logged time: **7:54**
